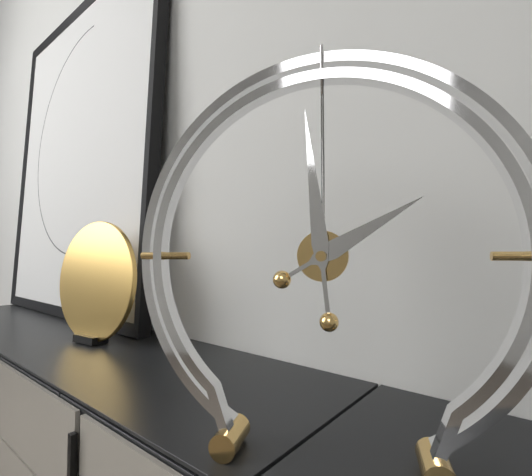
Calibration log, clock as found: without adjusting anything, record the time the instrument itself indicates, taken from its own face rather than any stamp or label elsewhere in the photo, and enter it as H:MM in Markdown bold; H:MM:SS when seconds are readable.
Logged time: **1:59**
